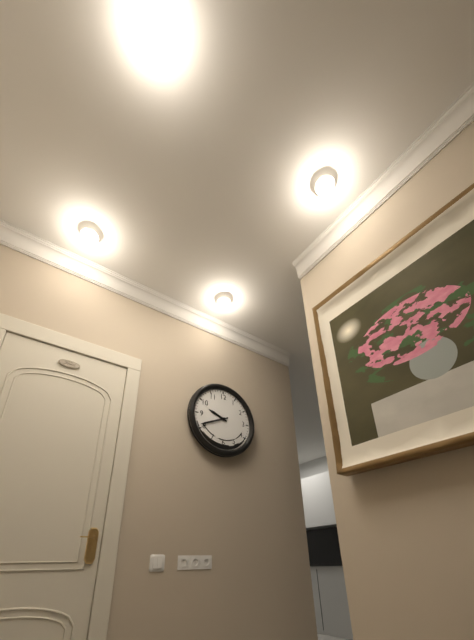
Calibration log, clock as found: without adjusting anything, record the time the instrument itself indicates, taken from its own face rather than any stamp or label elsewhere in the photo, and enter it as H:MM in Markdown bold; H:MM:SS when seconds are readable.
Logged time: **9:41**
